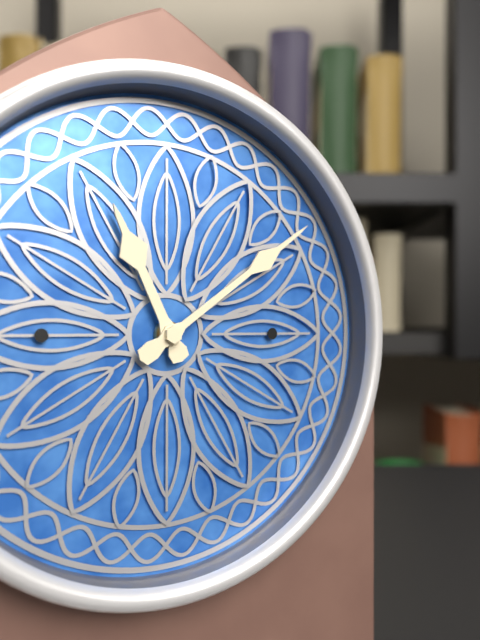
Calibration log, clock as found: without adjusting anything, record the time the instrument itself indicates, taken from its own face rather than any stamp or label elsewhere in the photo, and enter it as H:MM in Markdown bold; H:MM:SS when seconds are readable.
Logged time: **11:09**
